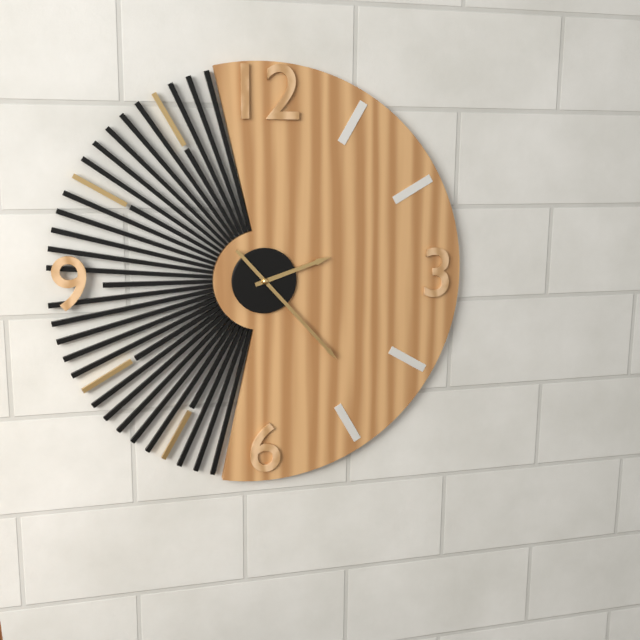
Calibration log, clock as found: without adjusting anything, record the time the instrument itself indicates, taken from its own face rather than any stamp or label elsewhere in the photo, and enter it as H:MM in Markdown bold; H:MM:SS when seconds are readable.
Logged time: **2:23**
